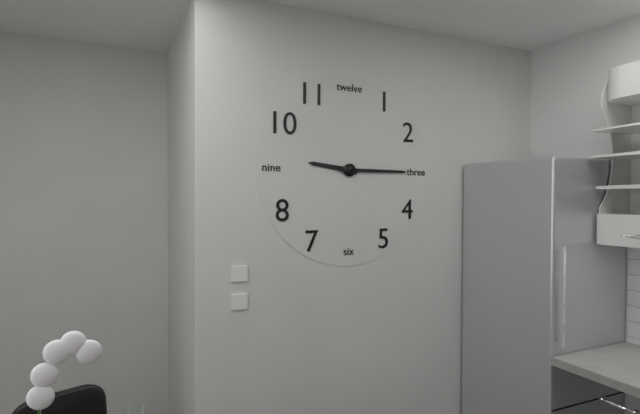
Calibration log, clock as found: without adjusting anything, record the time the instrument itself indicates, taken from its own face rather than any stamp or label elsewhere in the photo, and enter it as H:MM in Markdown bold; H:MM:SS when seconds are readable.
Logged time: **9:15**
